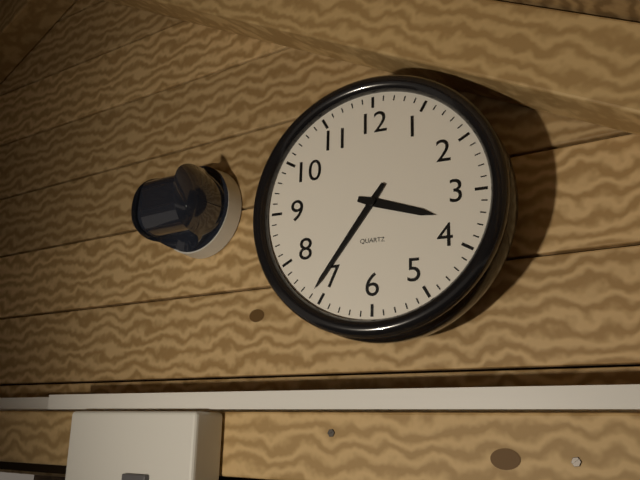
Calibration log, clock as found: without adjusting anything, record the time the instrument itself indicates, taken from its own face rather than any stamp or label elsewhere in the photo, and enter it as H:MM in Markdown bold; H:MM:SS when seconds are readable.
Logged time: **3:36**
